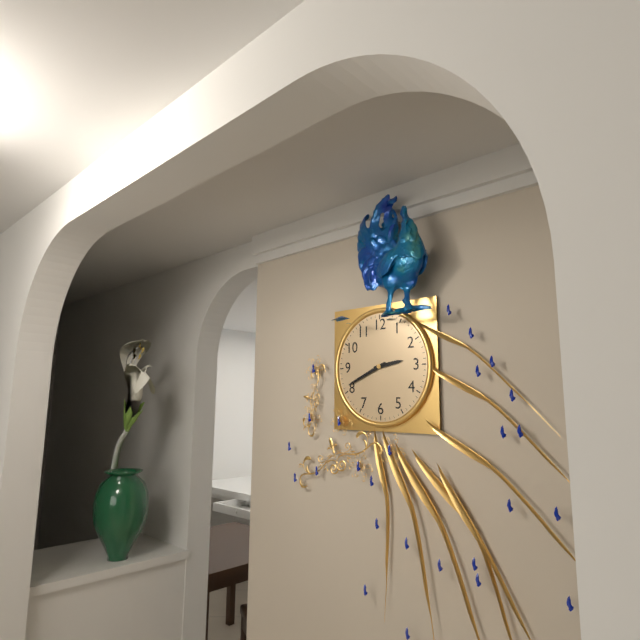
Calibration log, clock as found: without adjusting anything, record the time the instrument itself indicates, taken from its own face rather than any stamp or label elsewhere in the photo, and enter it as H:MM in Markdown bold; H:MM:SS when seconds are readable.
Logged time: **2:41**
